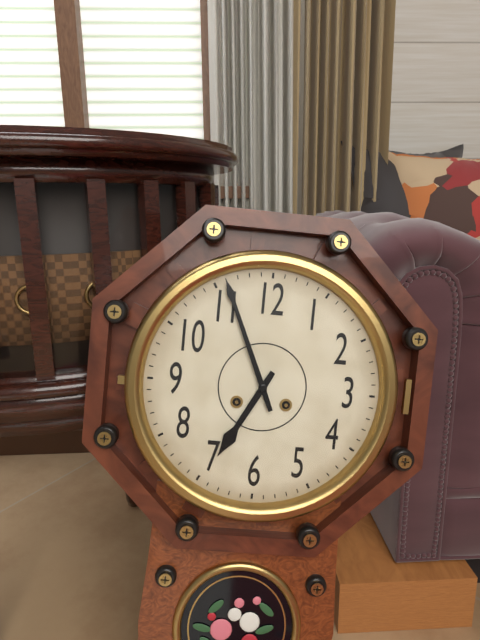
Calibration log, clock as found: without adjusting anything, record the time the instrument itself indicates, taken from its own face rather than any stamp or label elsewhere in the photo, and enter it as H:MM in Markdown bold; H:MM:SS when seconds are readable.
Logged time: **6:56**
